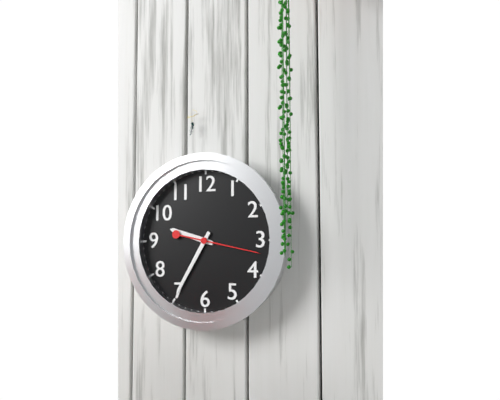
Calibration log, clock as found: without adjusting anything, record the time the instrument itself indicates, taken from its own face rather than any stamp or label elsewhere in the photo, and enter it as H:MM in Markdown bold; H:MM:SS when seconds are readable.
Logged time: **9:35:17**
